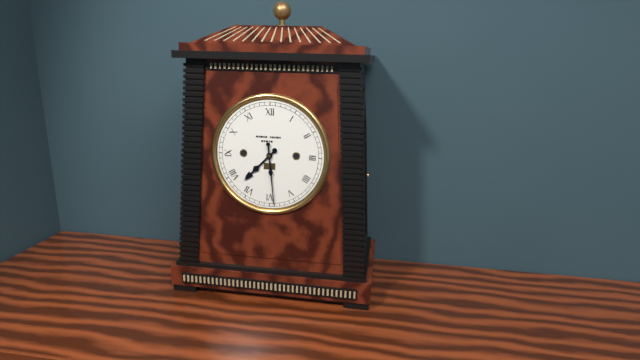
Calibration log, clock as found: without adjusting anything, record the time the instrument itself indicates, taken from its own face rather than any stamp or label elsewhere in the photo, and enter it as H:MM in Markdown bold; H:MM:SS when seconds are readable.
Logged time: **7:29**
